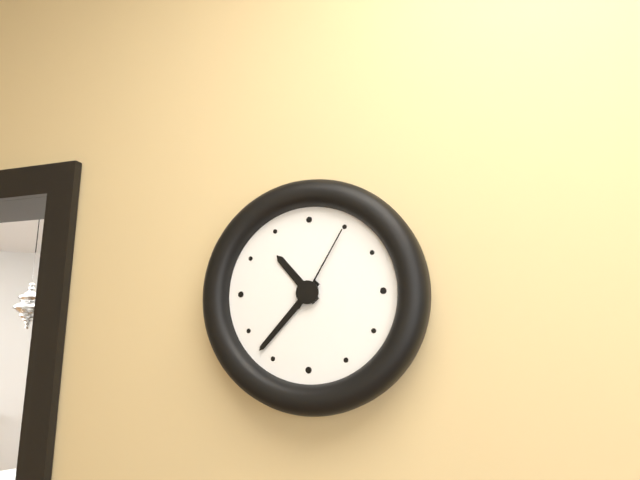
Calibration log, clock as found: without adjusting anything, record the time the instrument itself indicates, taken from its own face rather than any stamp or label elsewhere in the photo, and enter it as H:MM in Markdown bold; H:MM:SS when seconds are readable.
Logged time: **10:37:05**
